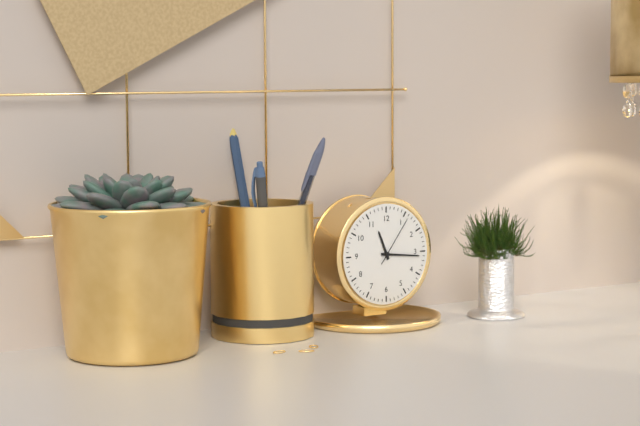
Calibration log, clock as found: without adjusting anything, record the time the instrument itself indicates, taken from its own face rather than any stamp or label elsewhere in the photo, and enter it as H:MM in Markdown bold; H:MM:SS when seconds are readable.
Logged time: **11:16:06**
